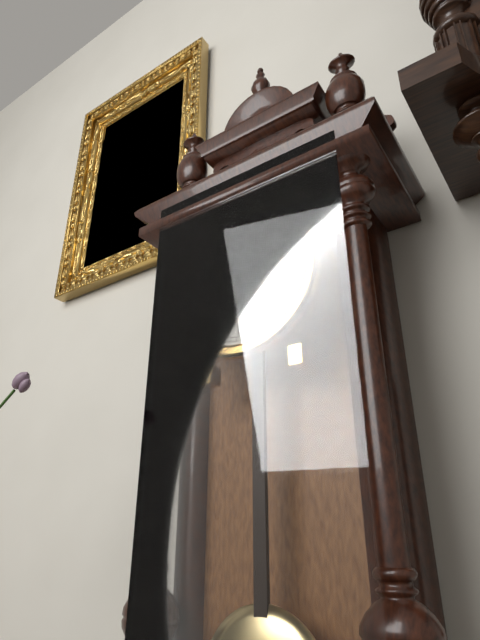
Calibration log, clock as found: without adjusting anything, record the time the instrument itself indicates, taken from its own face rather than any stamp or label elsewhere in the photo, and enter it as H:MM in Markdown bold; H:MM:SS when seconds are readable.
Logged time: **10:09**
